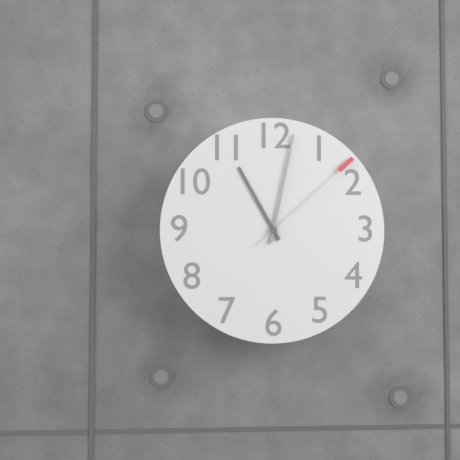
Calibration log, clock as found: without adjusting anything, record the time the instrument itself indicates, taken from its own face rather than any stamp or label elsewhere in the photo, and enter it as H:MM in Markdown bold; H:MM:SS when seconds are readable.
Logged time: **11:02:08**
